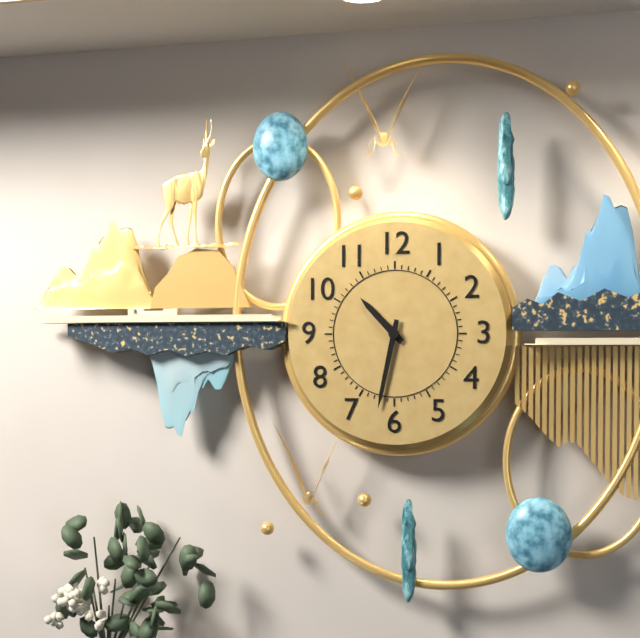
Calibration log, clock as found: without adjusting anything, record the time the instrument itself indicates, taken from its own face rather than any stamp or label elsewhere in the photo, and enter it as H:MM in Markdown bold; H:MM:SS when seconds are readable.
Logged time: **10:32**
